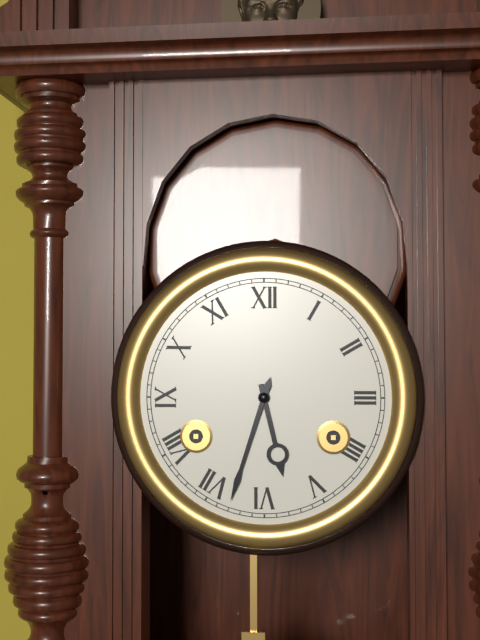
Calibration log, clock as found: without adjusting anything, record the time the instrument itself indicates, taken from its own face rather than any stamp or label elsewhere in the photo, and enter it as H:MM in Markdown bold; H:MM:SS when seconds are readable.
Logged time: **5:33**
